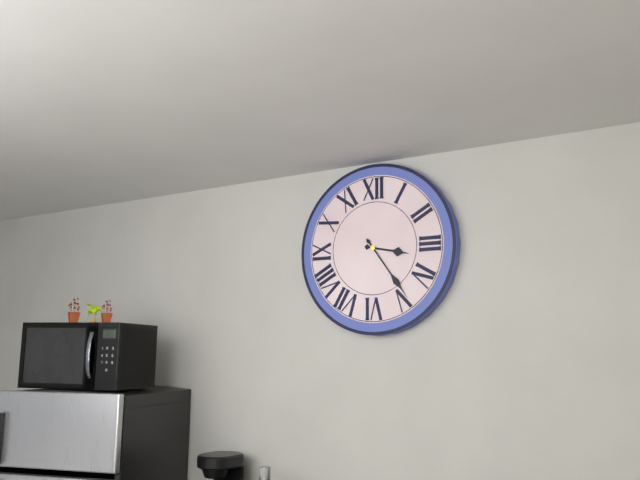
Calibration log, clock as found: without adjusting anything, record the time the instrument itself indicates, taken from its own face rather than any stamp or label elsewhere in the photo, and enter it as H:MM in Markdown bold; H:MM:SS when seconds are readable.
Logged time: **3:24**
